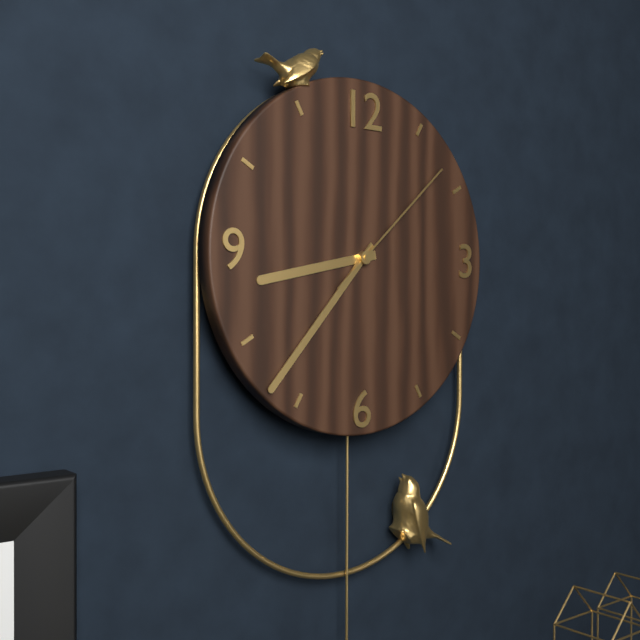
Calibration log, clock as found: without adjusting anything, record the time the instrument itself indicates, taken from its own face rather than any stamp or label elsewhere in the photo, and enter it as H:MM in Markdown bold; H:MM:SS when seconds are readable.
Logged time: **8:37:08**
